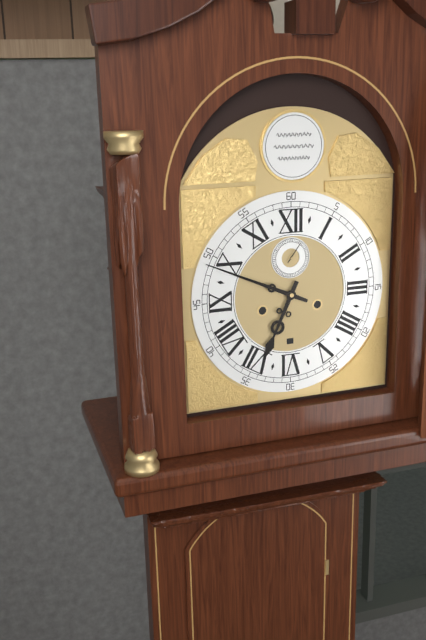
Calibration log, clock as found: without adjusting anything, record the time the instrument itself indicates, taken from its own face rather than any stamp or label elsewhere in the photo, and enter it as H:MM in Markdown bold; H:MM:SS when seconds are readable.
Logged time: **6:49**
